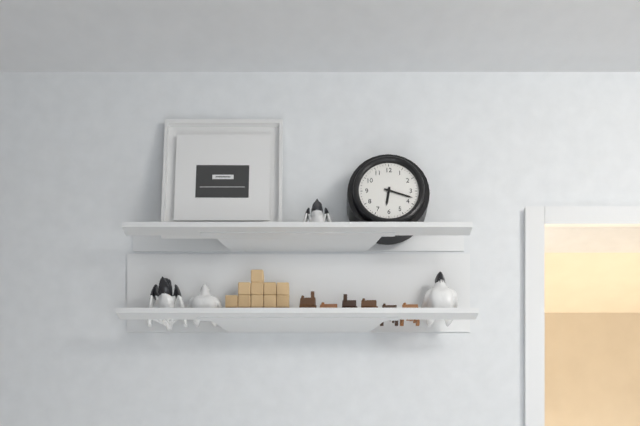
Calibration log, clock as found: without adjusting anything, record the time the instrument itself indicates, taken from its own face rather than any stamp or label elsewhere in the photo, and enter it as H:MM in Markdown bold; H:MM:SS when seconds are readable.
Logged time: **6:18**
